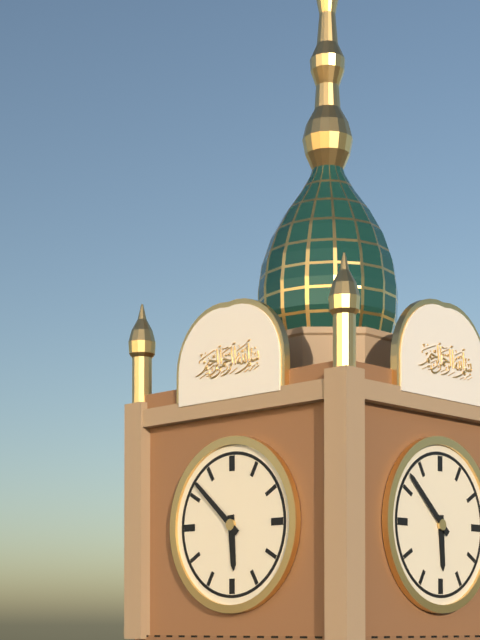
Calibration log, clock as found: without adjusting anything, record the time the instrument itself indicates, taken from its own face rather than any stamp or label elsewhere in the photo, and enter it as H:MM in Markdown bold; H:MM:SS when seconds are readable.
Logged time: **5:52**
